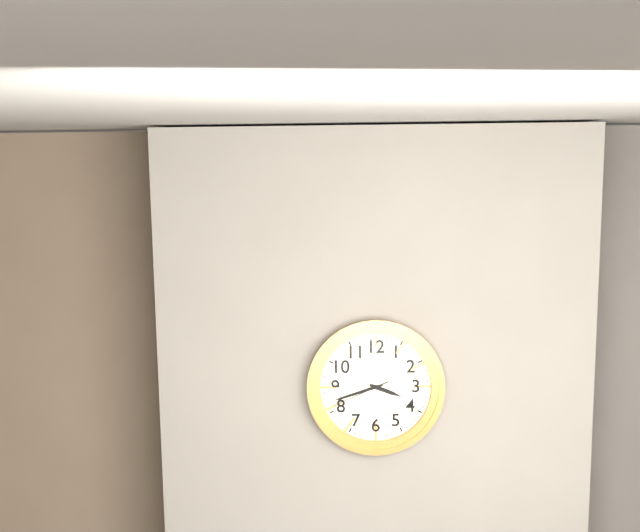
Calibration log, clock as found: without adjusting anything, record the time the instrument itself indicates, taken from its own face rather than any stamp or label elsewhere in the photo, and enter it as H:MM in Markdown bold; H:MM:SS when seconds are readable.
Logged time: **3:42:41**
